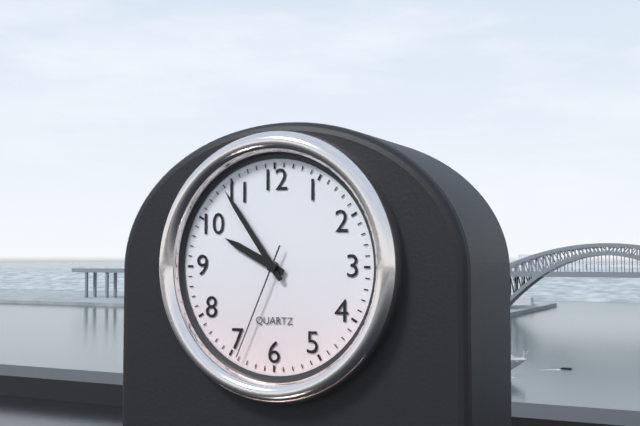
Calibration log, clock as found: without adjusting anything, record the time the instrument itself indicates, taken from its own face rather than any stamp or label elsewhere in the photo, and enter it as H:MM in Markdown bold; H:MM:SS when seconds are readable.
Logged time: **9:54:34**
